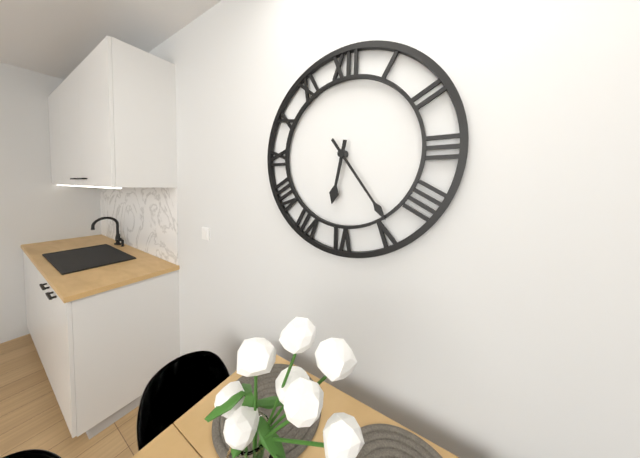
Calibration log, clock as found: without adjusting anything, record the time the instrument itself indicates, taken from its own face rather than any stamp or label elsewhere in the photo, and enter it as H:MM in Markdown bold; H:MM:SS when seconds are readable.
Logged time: **6:24**
